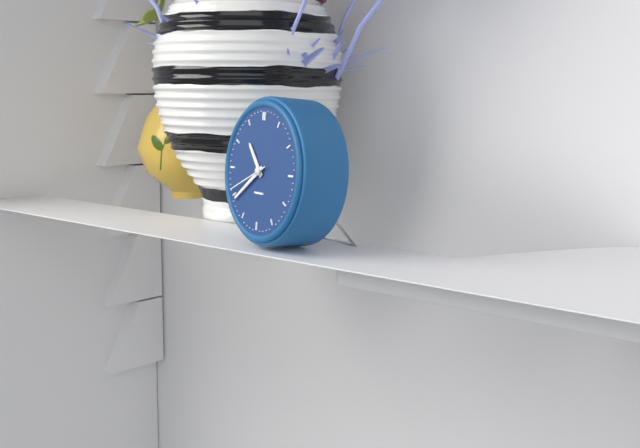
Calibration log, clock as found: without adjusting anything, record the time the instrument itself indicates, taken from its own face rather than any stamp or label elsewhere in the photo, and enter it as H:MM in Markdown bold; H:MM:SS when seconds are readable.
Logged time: **10:39**
